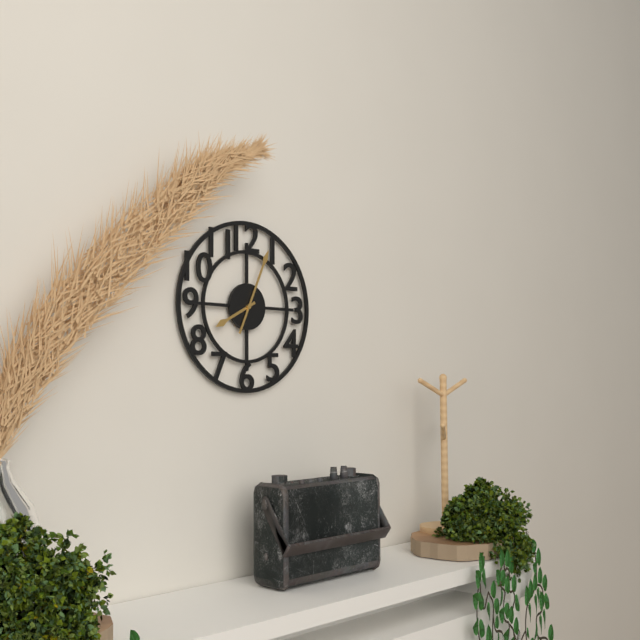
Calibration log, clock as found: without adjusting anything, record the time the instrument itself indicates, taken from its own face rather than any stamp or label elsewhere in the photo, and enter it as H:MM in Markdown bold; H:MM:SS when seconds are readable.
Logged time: **8:04**
